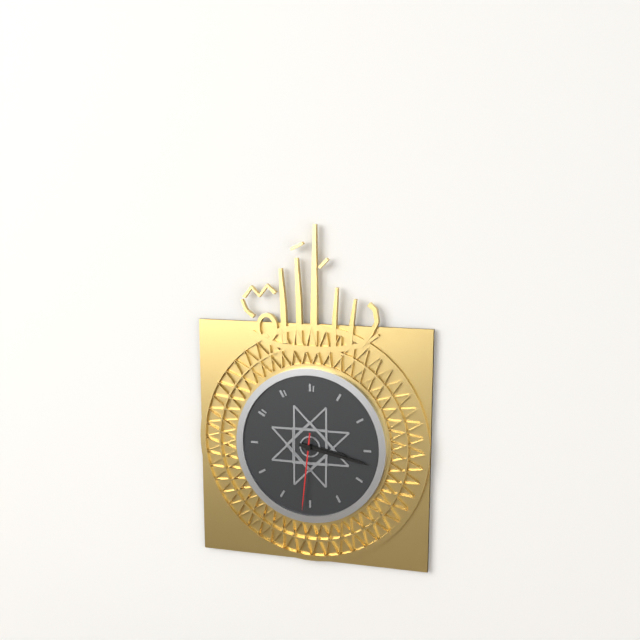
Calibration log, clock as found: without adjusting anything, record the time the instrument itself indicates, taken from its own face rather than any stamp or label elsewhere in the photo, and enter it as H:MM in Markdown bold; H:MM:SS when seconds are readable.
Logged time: **3:17:31**
